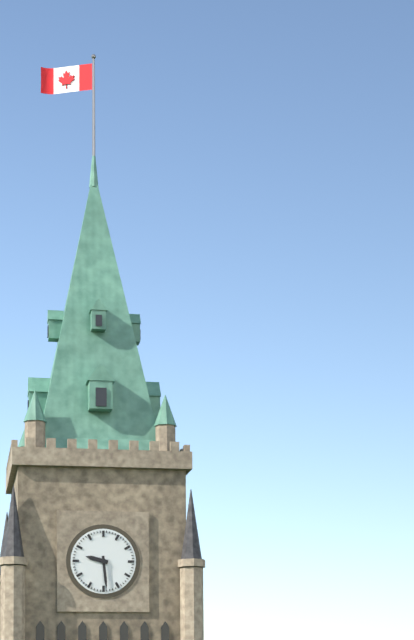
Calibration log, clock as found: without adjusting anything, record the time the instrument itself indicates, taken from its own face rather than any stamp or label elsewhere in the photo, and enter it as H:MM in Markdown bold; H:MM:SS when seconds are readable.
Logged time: **9:29**
